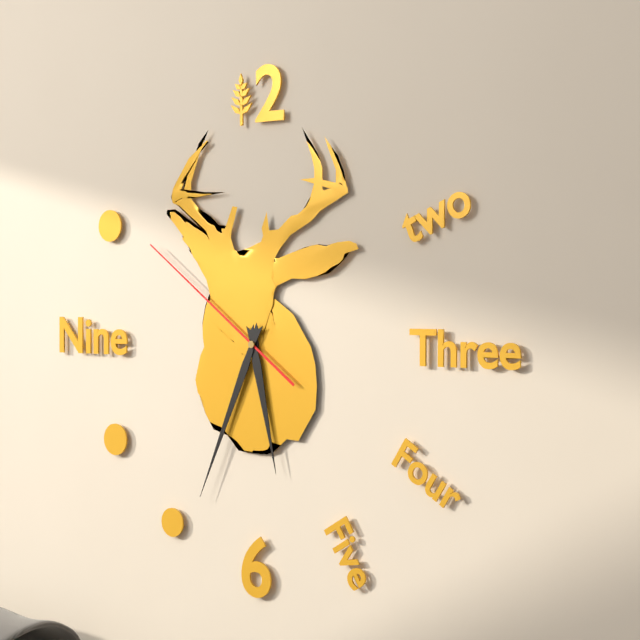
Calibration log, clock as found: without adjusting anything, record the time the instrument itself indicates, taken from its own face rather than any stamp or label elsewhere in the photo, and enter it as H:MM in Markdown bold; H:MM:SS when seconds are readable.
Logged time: **5:34:51**
